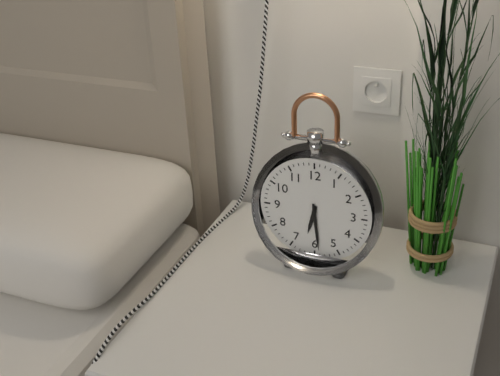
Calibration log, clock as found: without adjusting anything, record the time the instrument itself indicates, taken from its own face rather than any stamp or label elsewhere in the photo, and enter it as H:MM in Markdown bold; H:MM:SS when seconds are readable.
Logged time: **6:29**
